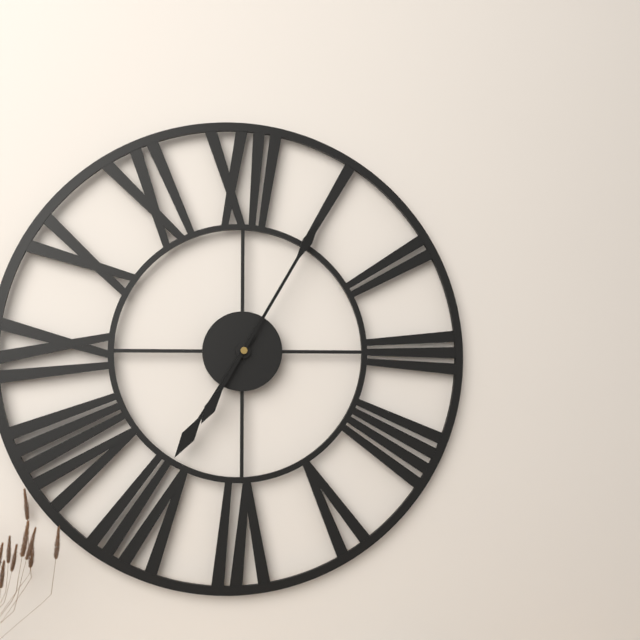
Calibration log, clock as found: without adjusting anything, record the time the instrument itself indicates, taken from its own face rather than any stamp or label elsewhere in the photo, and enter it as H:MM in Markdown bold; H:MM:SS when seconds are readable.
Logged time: **7:05**
